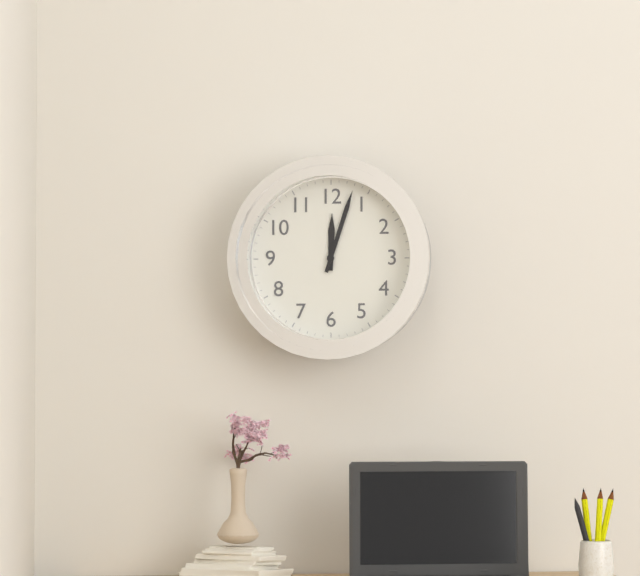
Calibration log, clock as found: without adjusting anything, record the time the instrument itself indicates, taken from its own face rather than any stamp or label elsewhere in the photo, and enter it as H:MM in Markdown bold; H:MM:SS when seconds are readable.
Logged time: **12:03**
